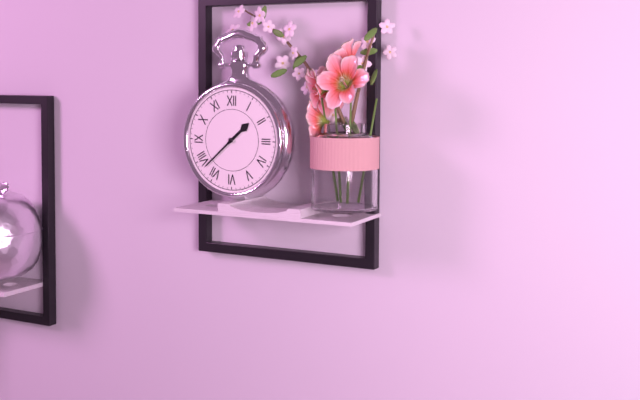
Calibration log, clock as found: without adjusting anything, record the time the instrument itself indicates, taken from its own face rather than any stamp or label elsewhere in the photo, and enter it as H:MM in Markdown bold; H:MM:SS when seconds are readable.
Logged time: **1:38**
